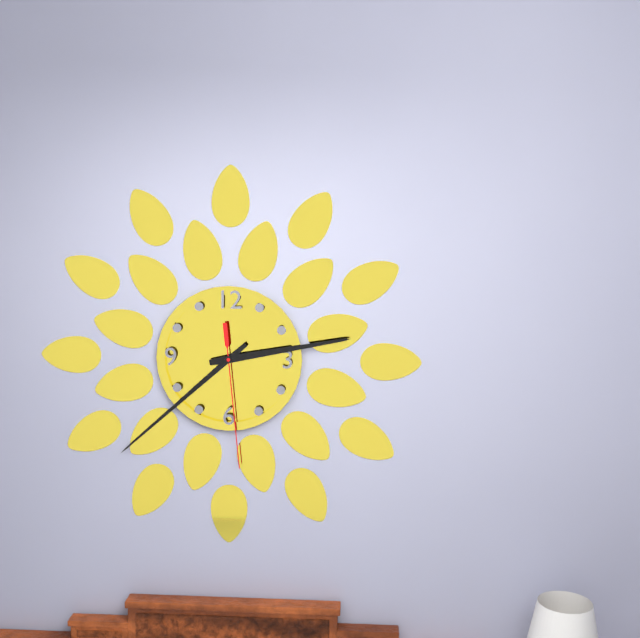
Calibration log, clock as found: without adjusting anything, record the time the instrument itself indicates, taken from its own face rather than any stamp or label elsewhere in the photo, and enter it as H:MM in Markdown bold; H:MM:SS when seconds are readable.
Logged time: **2:38:29**
